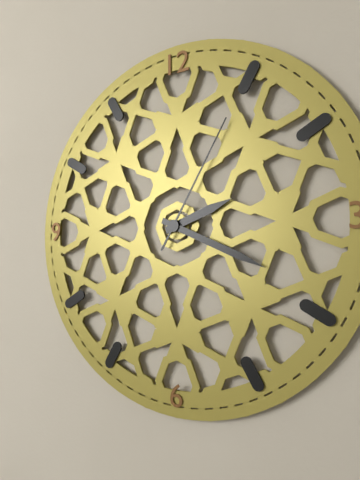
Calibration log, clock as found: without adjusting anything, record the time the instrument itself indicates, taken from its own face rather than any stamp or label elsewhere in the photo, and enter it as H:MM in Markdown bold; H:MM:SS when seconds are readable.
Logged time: **2:19:05**
